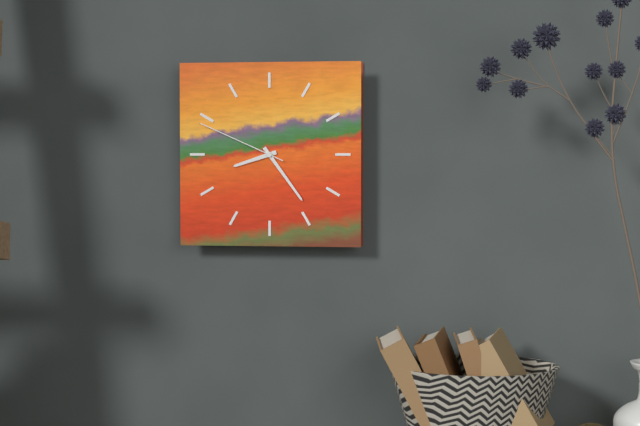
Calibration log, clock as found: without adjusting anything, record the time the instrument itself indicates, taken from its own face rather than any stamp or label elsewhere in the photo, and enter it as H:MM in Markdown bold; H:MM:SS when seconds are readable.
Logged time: **8:24:49**
